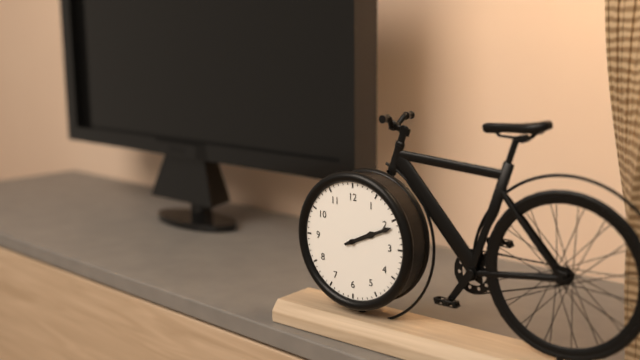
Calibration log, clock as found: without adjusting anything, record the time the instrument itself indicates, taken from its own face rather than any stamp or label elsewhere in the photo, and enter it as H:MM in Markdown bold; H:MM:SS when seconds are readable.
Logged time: **2:11**
